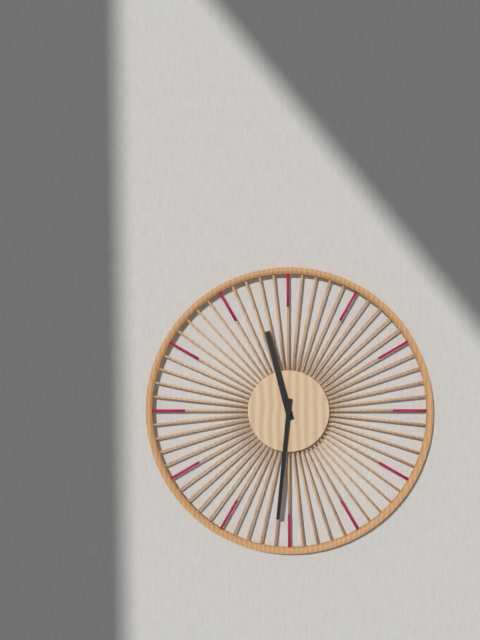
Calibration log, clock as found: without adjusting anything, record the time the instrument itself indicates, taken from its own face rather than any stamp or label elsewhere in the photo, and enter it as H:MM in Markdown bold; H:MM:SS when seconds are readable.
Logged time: **11:31**
